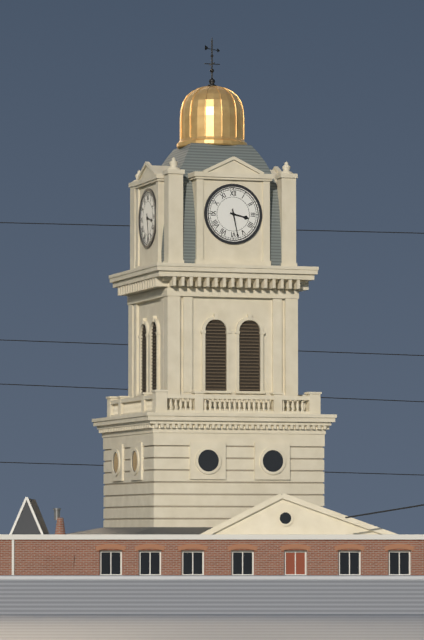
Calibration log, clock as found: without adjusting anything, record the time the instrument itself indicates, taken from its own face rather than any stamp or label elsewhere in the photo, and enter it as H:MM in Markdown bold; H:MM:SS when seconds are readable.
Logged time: **3:28**
